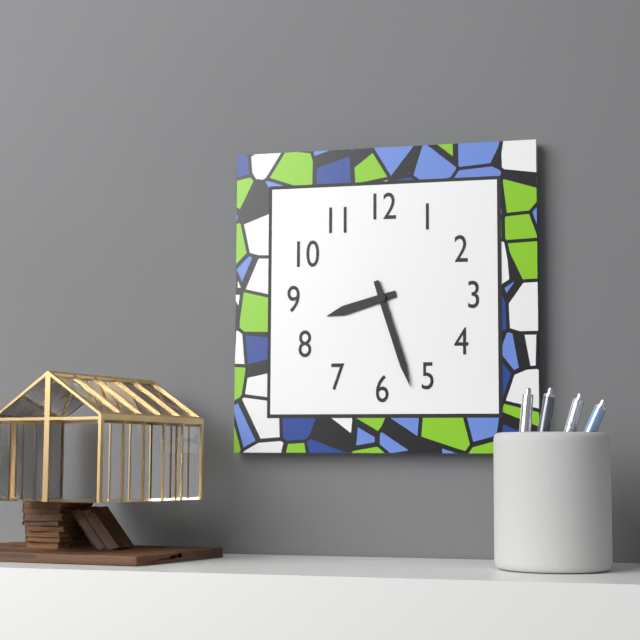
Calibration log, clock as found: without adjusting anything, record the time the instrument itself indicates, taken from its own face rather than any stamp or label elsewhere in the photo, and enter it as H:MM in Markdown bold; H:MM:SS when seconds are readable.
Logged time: **8:27**
